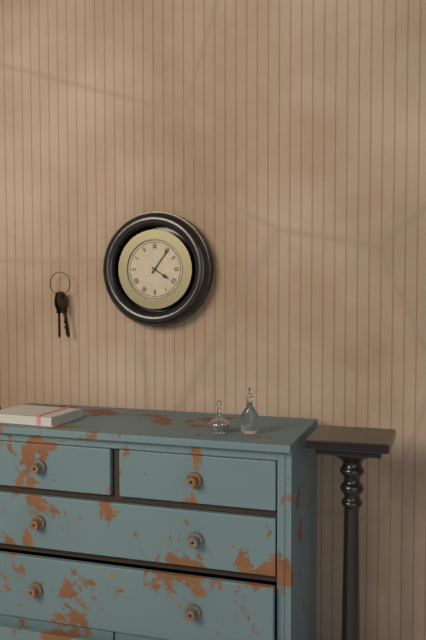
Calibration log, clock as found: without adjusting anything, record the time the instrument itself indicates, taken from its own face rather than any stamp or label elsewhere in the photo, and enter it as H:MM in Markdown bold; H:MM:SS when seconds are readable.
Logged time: **4:06**
